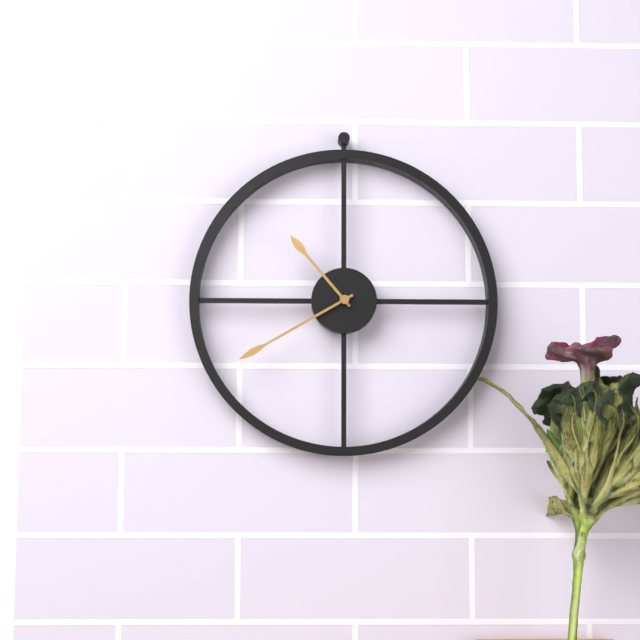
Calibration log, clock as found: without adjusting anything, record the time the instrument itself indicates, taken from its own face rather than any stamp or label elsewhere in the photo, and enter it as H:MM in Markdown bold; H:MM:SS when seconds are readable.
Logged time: **10:40**
